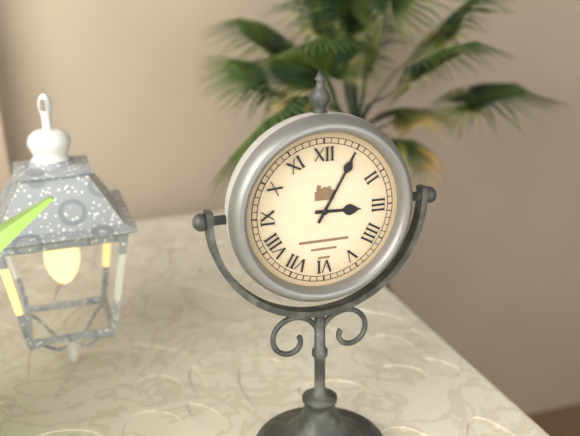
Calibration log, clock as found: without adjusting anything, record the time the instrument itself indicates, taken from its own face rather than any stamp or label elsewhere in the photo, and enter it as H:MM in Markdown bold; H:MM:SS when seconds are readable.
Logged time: **3:05**
